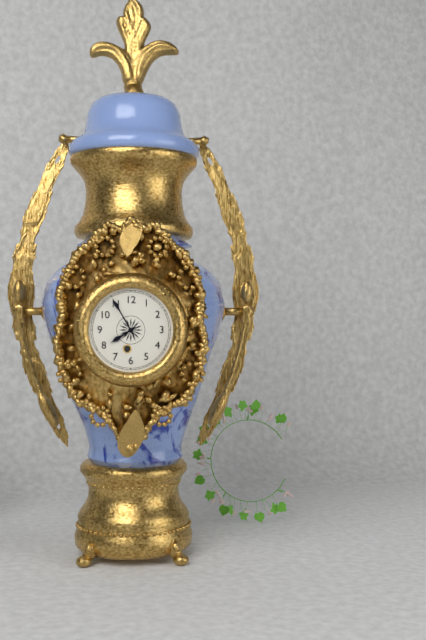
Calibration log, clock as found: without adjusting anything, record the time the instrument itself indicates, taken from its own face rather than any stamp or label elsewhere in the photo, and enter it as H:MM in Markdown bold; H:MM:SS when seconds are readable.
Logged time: **7:55**
